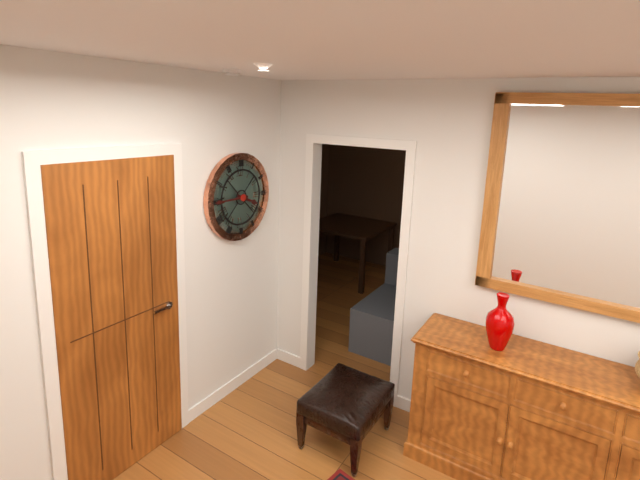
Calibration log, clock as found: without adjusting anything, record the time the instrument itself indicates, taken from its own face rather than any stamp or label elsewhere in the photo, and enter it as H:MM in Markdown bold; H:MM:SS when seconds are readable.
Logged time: **3:45**
